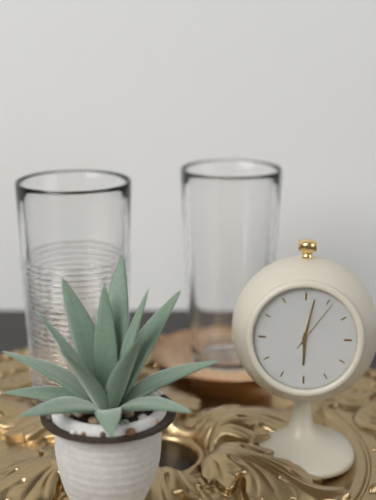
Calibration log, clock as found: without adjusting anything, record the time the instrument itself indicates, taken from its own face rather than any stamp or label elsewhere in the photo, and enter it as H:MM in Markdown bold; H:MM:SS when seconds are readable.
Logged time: **6:02:06**
